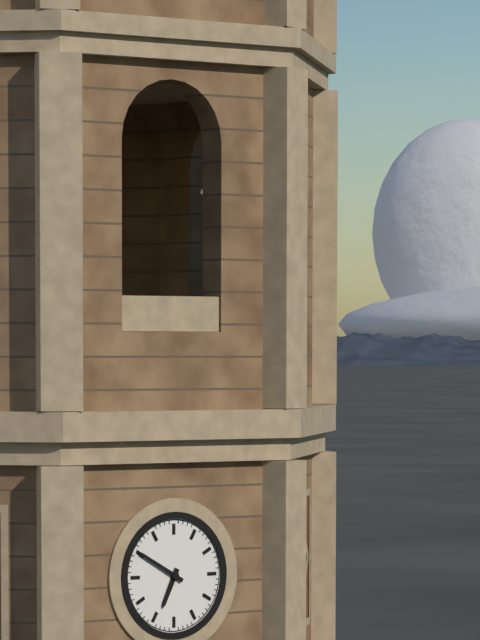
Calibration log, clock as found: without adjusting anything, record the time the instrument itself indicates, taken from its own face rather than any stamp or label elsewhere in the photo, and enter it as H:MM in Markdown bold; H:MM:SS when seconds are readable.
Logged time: **6:50**
